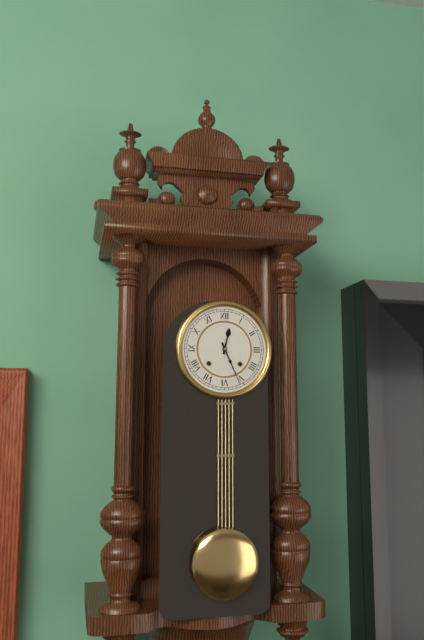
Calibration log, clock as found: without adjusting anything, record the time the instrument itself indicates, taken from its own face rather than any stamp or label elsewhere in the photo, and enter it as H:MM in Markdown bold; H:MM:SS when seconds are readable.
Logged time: **12:26**
